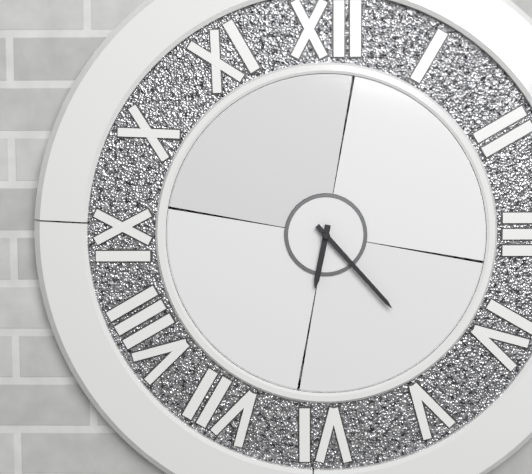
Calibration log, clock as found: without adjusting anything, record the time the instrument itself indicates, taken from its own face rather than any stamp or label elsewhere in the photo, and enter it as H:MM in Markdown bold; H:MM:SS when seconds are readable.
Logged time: **6:23**
